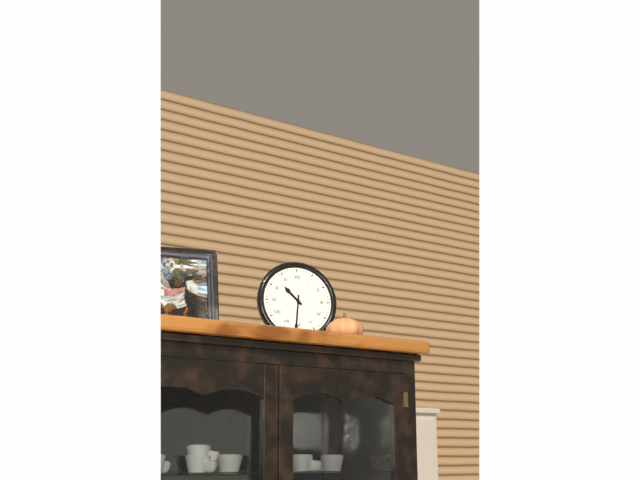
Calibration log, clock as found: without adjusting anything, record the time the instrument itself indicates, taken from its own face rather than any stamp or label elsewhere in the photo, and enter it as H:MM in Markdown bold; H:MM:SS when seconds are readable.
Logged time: **10:31**
